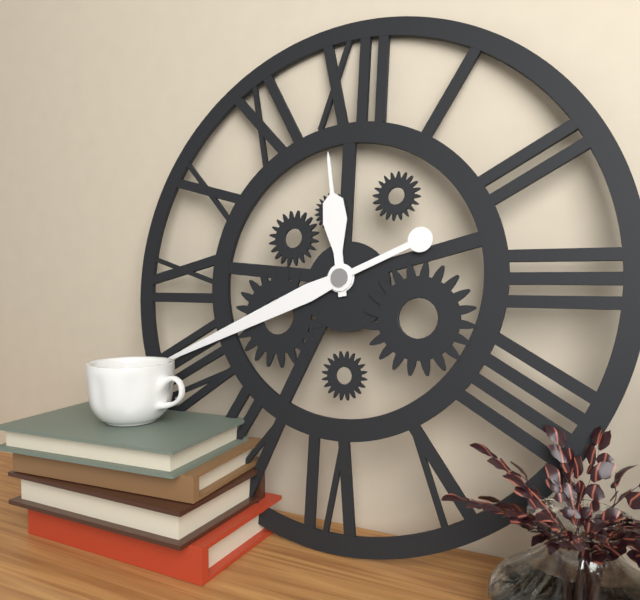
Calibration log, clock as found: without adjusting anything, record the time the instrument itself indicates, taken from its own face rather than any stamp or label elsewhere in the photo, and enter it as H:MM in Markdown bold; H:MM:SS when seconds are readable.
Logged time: **11:41**
